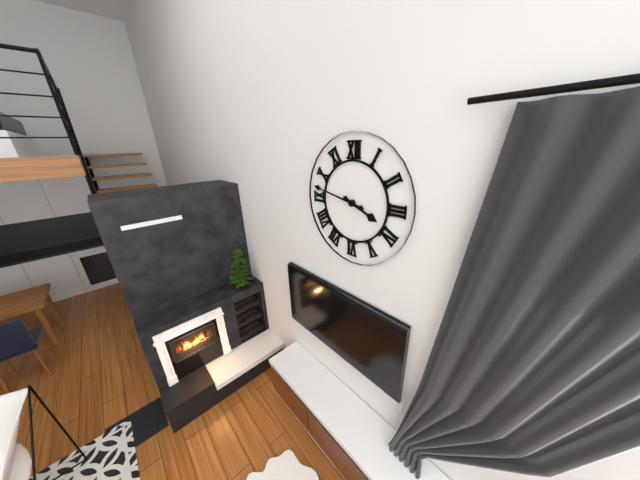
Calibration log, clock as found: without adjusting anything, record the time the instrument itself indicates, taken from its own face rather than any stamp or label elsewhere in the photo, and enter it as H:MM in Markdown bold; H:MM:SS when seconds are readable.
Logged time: **3:47**
